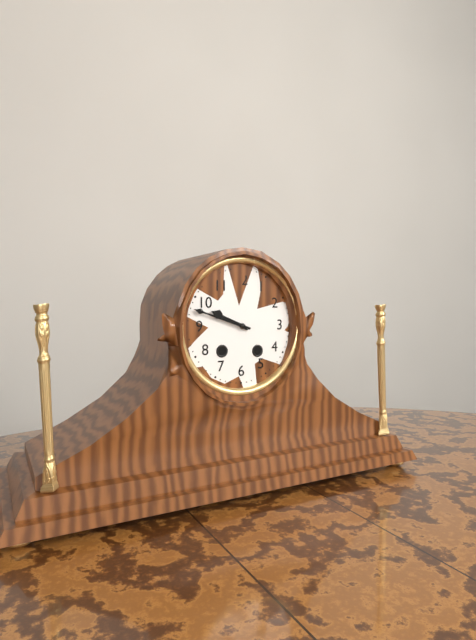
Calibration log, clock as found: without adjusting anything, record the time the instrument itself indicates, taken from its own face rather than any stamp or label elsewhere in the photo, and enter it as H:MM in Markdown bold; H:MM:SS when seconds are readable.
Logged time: **9:48**
